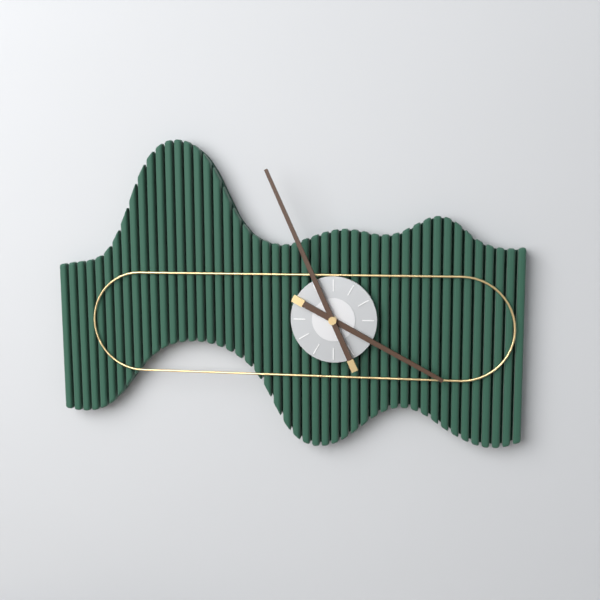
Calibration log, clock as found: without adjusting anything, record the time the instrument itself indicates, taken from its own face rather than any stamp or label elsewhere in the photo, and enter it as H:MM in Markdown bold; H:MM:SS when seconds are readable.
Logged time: **3:56**
